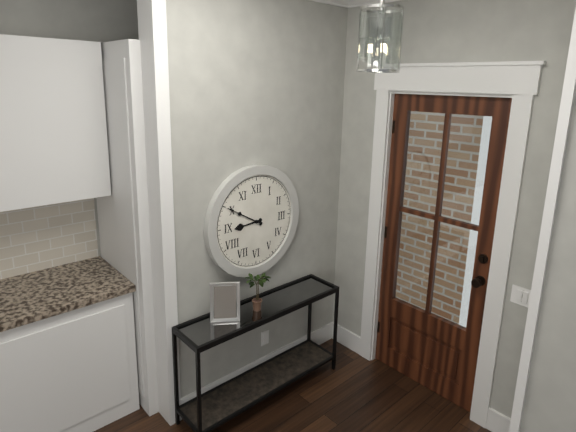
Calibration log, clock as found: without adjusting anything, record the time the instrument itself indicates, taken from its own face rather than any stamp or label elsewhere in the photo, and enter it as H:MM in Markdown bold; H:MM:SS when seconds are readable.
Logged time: **8:50**
